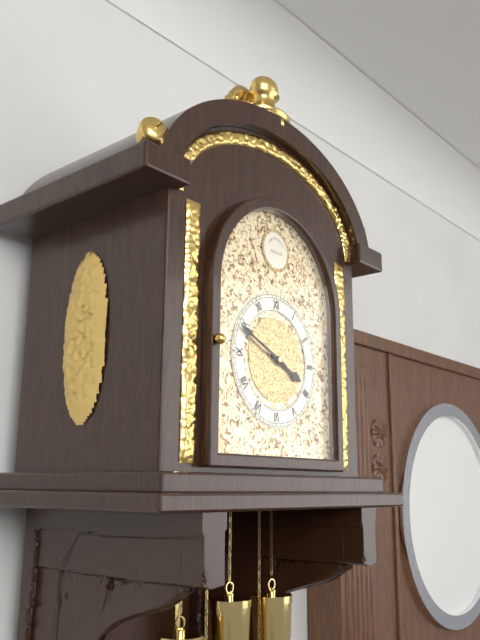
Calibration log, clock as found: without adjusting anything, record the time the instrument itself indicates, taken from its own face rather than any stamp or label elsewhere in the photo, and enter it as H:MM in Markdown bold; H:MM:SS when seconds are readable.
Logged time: **3:49**
